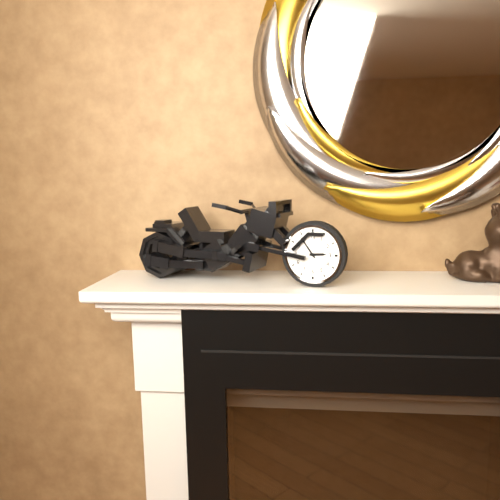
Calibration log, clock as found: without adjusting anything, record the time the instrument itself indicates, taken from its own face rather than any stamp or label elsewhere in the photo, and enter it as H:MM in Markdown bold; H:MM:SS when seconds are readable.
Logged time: **2:54**
